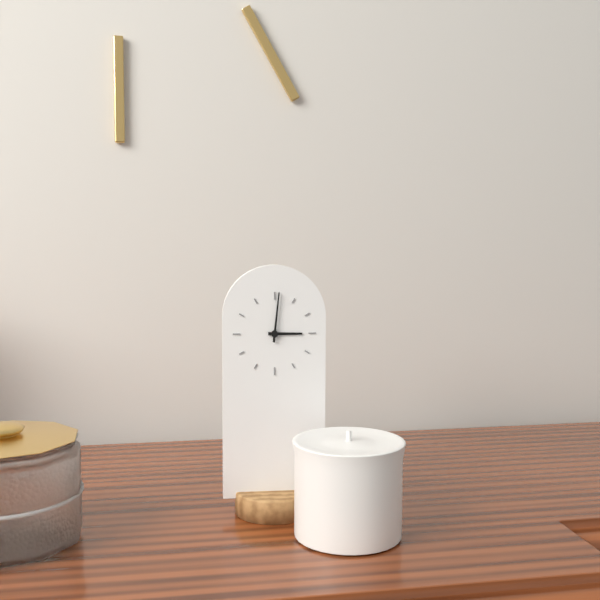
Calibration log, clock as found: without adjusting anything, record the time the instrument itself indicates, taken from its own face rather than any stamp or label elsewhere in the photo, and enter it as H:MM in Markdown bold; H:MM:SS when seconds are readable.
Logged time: **3:01**
